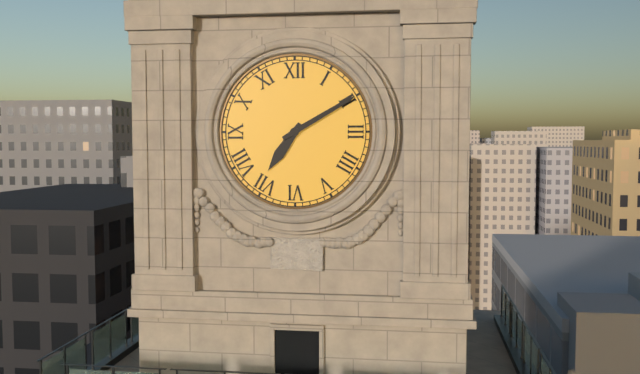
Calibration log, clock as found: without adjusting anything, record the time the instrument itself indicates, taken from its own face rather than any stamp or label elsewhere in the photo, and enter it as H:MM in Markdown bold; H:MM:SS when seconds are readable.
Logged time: **7:10**
